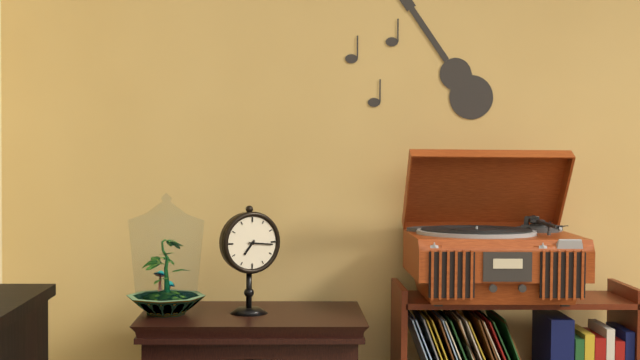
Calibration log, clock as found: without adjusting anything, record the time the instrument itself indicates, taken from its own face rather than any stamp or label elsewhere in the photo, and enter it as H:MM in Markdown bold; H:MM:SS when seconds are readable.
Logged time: **7:16**
